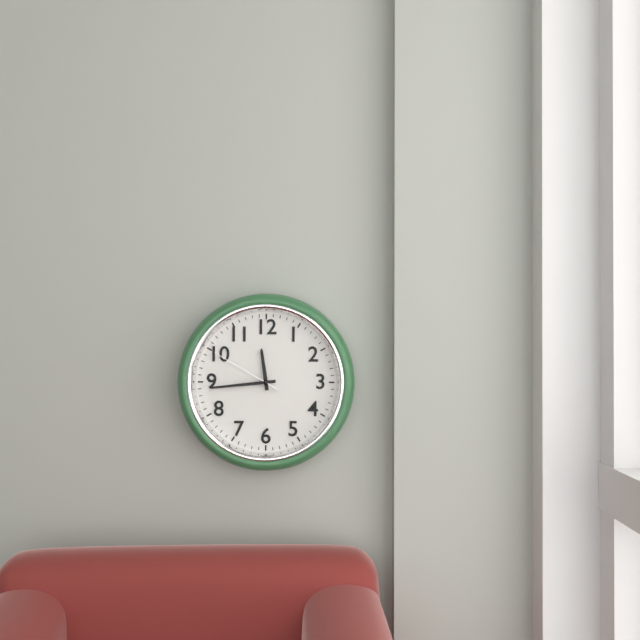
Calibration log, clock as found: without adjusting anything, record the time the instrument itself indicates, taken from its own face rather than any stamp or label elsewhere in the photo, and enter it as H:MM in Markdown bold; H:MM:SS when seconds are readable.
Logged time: **11:44:50**
